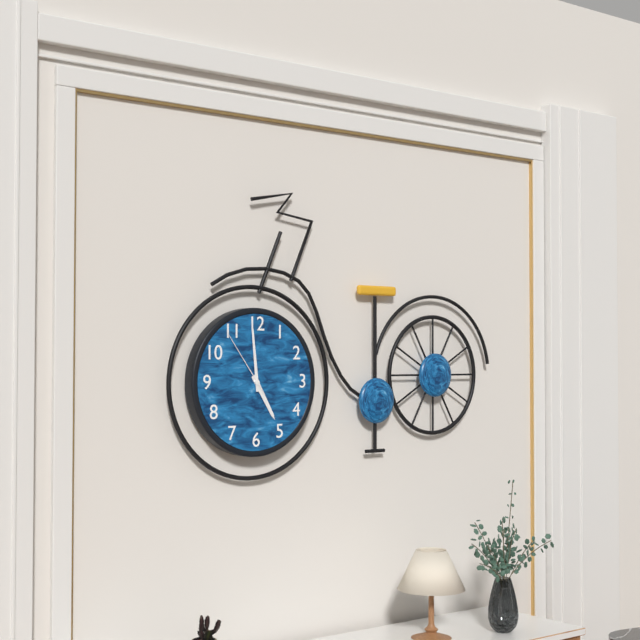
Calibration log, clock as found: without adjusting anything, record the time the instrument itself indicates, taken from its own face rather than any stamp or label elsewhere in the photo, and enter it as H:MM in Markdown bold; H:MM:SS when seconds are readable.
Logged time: **4:59:54**
